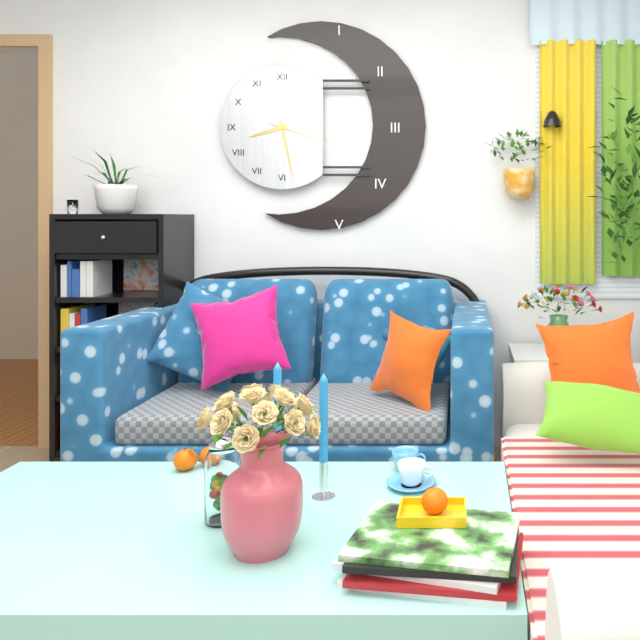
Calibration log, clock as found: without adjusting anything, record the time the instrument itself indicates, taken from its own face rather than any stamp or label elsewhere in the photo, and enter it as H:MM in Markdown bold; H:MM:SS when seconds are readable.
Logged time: **8:28:18**
